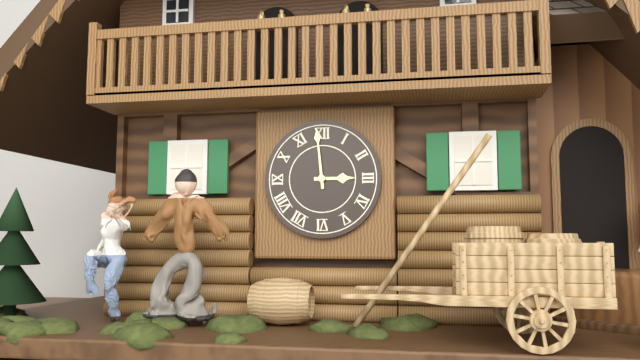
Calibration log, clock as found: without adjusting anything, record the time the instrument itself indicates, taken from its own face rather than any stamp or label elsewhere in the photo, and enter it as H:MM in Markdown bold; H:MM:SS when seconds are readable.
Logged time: **2:59**
